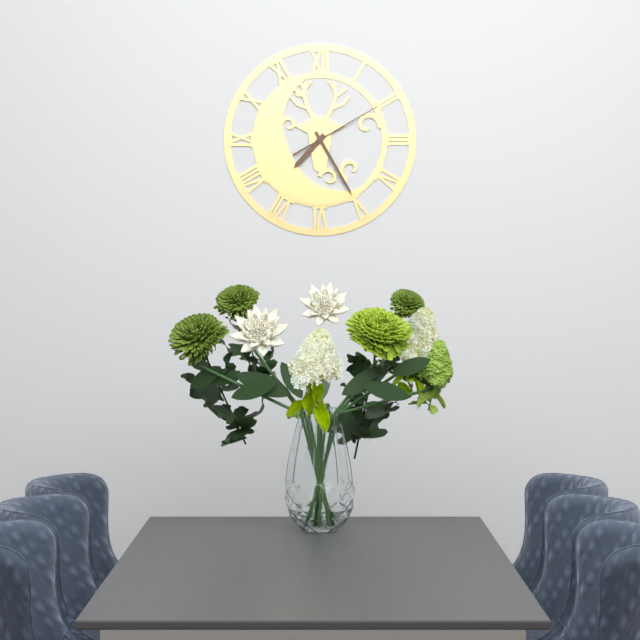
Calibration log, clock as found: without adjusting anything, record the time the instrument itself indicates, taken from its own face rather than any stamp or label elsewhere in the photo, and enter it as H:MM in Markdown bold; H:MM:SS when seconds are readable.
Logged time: **7:25:10**
